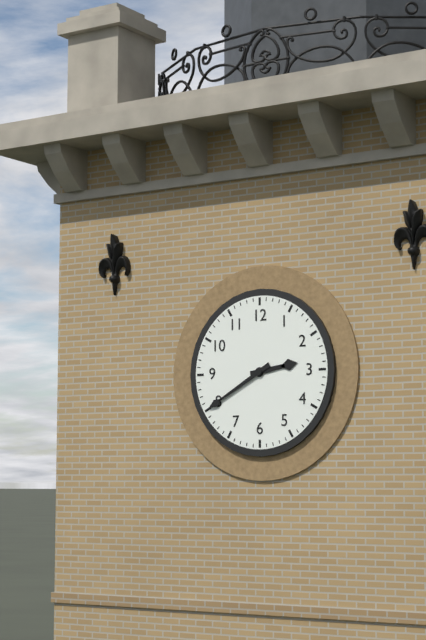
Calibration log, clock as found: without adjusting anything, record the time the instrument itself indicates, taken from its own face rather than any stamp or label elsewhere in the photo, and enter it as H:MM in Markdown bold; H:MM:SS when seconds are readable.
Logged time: **2:40**
